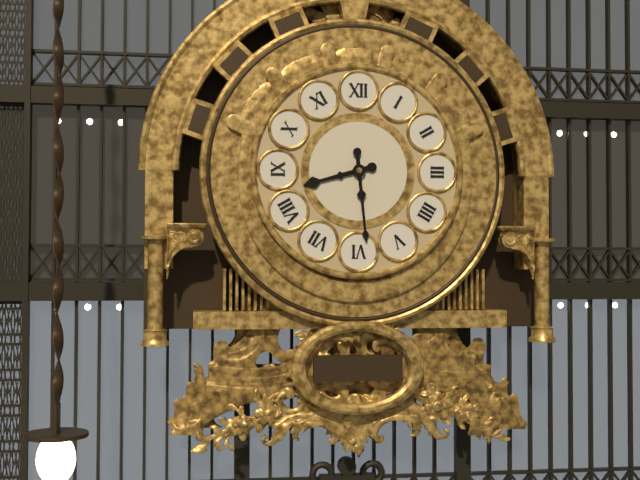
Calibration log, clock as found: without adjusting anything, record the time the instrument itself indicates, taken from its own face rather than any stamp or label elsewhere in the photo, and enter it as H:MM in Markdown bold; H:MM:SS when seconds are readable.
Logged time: **8:29**
